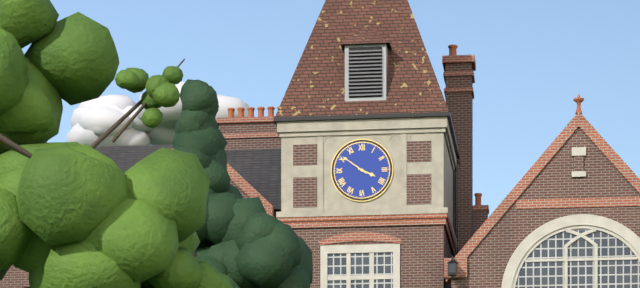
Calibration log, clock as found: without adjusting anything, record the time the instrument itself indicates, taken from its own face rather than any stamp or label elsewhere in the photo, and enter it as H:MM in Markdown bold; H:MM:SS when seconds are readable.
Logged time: **3:51**
